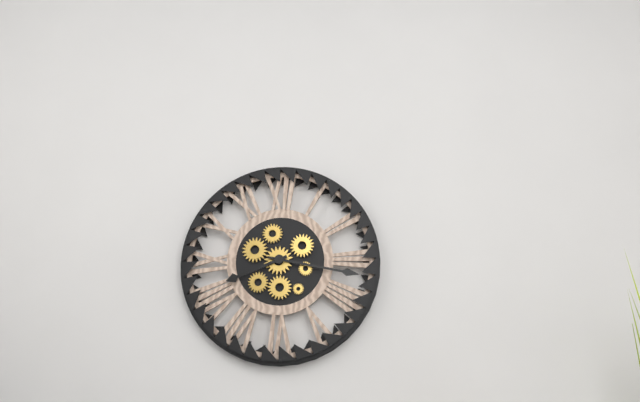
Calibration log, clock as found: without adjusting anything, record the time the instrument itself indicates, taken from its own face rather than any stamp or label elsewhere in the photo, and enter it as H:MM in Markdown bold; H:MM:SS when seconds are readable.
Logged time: **8:17**
